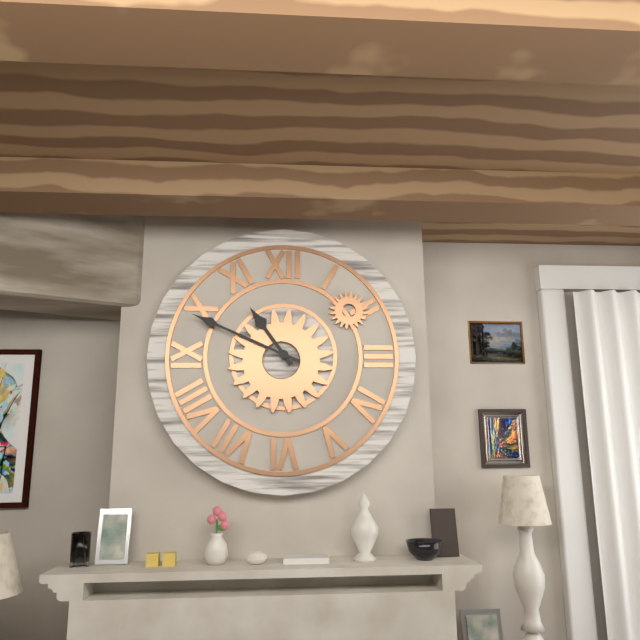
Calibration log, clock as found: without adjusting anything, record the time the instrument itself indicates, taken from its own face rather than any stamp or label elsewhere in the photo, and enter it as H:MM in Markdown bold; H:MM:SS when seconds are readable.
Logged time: **10:49**
